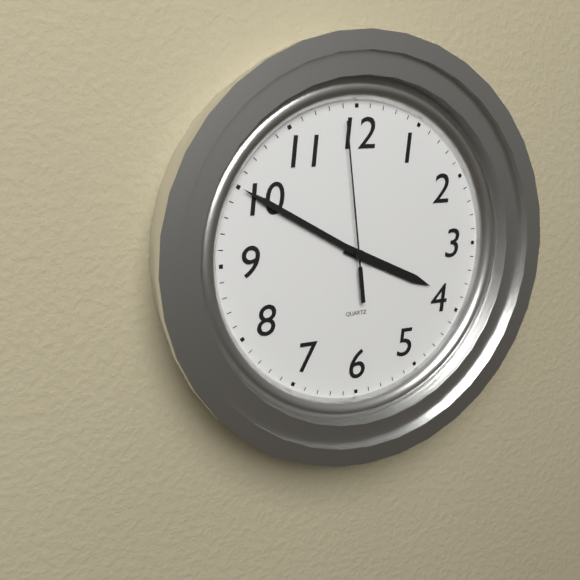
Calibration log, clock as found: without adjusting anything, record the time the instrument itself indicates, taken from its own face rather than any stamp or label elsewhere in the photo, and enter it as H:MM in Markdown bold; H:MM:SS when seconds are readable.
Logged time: **3:50:59**
